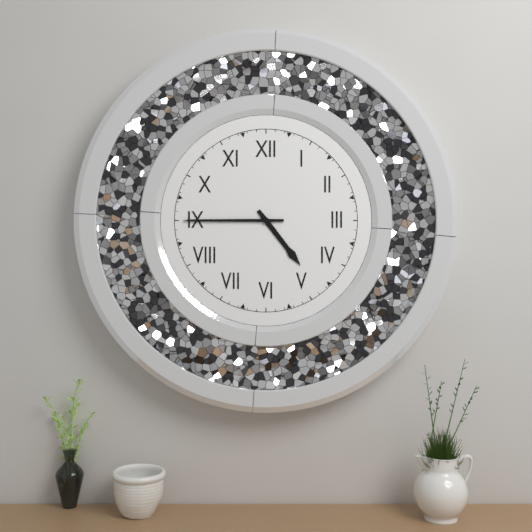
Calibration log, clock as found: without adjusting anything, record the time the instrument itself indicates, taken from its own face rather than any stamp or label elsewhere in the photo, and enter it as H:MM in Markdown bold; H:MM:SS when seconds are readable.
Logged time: **4:45**
